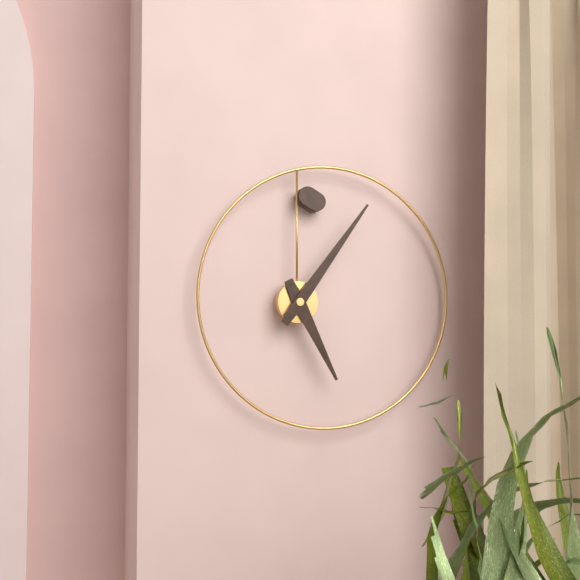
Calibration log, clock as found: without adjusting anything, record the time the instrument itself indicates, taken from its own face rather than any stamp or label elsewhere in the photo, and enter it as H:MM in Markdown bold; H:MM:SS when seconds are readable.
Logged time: **5:06**
